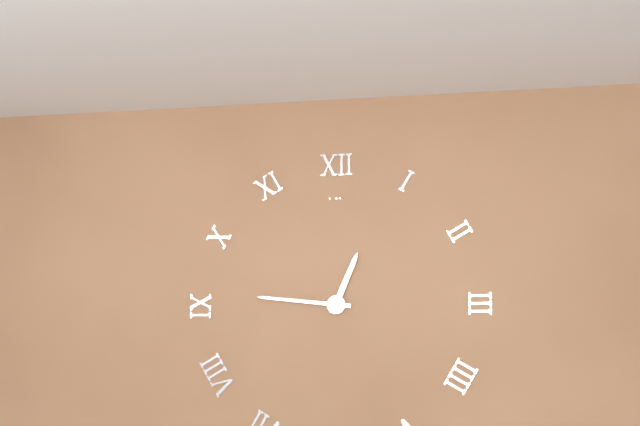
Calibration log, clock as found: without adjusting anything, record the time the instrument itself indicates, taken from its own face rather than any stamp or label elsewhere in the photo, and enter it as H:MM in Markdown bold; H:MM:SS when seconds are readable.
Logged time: **12:46**
